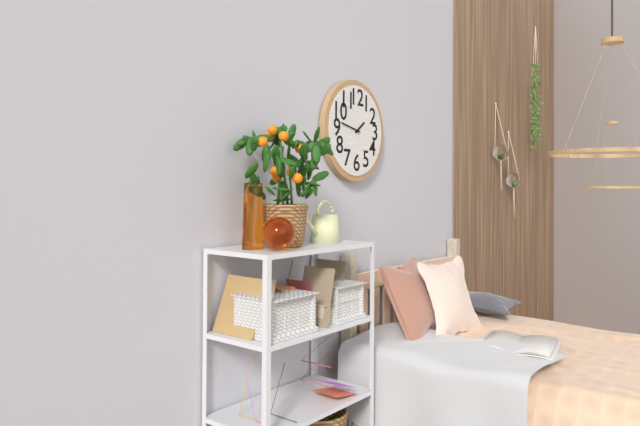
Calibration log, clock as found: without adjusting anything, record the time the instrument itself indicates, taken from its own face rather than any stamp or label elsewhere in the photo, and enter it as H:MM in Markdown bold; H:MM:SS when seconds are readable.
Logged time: **1:47**
